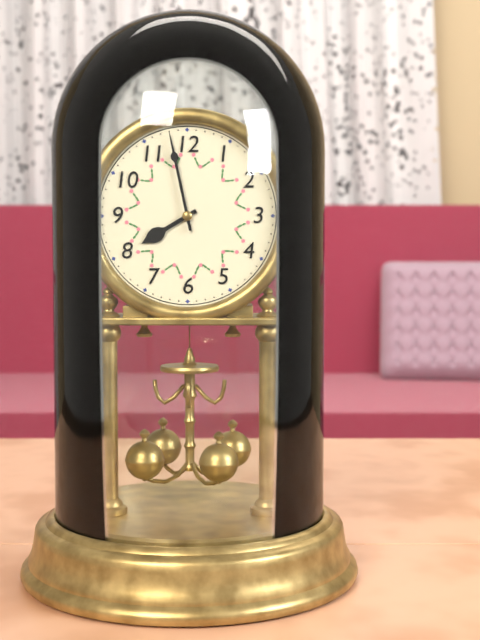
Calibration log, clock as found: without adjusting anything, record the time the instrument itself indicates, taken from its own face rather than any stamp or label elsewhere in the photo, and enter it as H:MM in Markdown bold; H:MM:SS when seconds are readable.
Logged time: **7:58**
